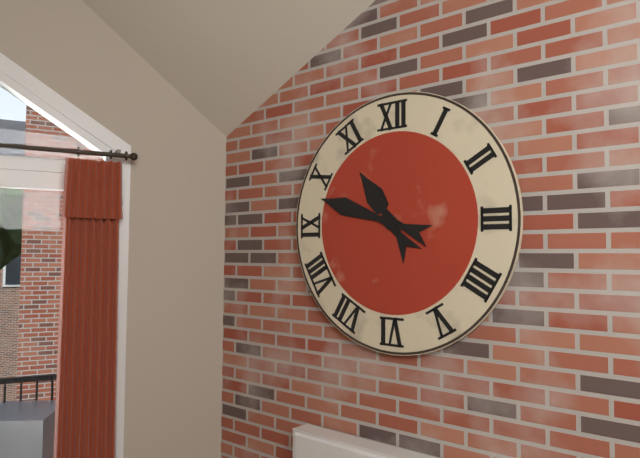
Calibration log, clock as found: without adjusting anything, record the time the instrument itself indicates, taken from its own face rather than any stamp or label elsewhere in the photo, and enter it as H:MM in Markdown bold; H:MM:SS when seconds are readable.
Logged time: **10:48**
